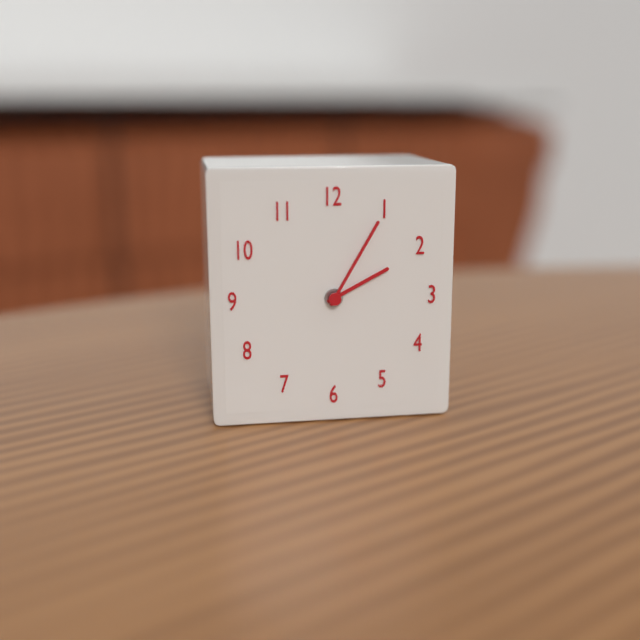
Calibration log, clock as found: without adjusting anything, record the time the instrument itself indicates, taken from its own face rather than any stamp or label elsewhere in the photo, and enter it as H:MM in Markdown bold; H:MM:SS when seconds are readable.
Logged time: **2:05**
